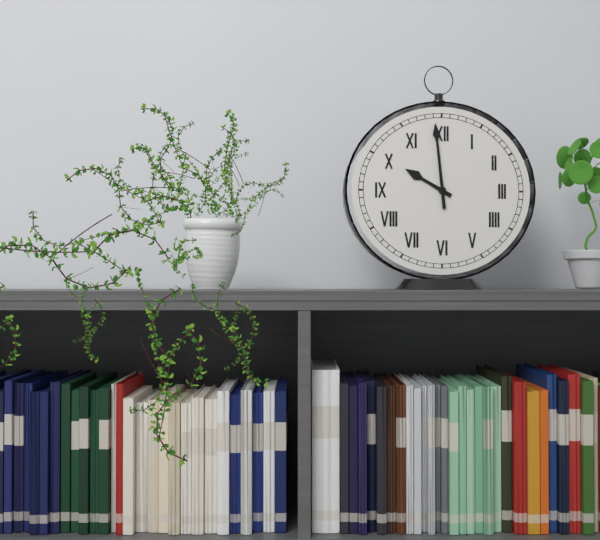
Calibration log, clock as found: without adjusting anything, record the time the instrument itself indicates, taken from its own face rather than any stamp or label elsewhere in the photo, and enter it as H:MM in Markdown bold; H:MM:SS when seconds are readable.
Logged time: **9:59**
